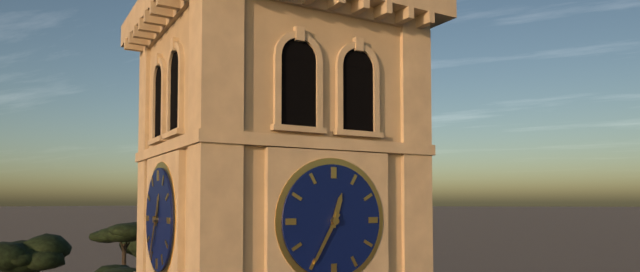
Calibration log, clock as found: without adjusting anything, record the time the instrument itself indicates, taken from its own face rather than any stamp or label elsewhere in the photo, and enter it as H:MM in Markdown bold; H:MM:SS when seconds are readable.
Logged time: **12:35**
